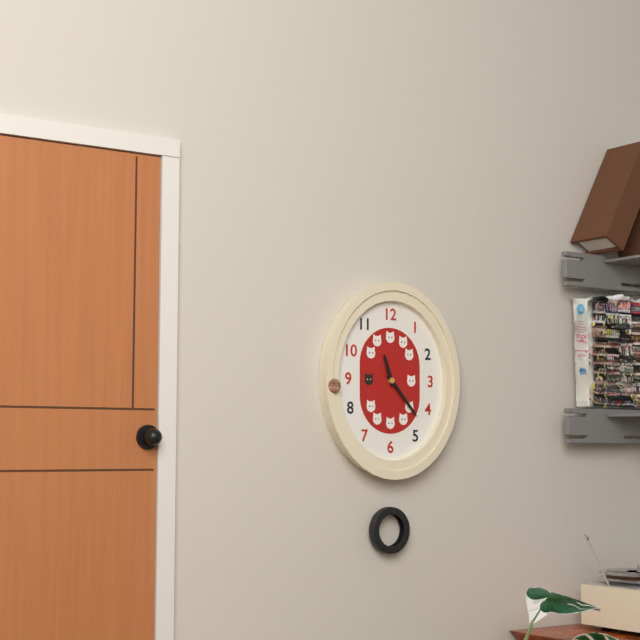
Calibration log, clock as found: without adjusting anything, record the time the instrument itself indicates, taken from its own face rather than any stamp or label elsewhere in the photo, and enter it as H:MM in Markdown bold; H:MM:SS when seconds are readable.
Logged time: **11:23**
